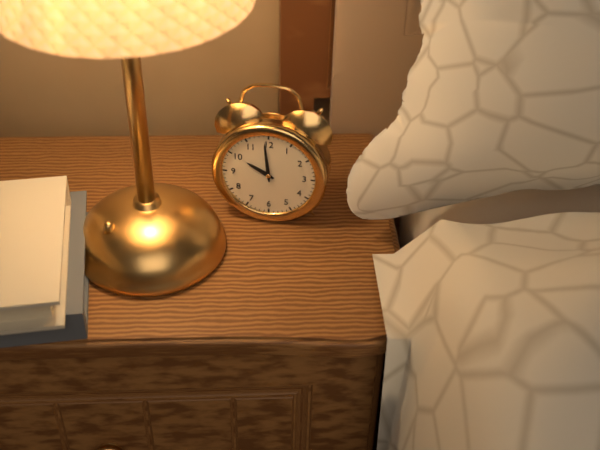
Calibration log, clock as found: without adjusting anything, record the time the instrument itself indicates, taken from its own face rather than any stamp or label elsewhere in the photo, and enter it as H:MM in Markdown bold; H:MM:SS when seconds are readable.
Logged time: **9:59**
